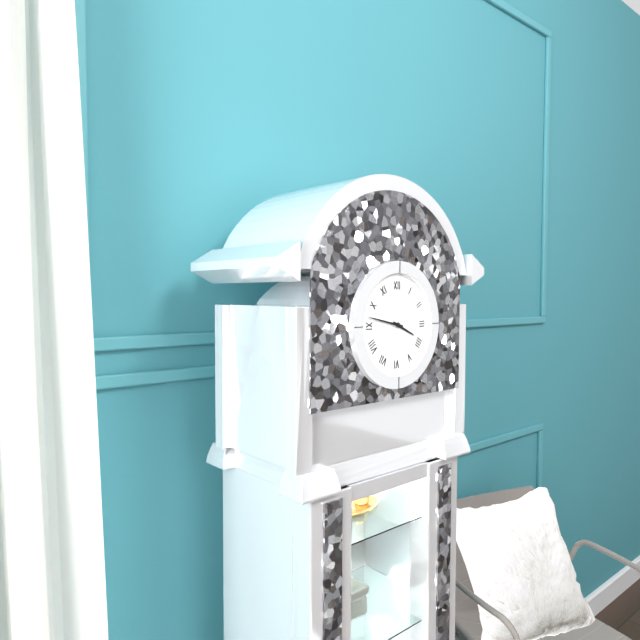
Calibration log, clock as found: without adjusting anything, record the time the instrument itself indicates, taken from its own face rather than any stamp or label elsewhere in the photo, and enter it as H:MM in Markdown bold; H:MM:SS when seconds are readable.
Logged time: **3:47**
